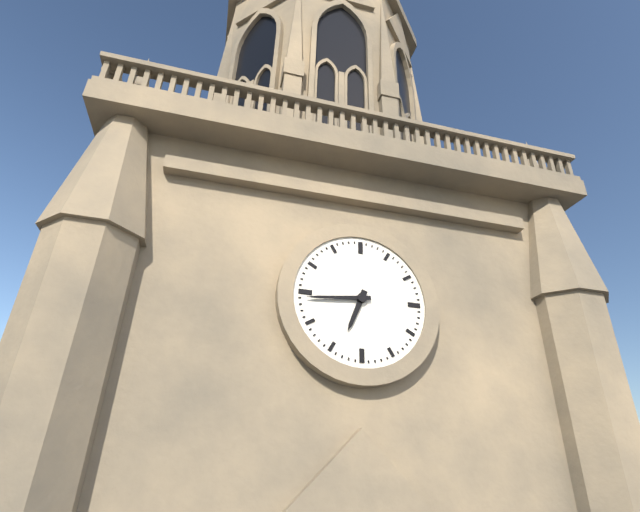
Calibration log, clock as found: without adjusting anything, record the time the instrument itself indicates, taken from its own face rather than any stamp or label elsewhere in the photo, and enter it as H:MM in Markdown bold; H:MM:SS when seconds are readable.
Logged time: **6:44**
